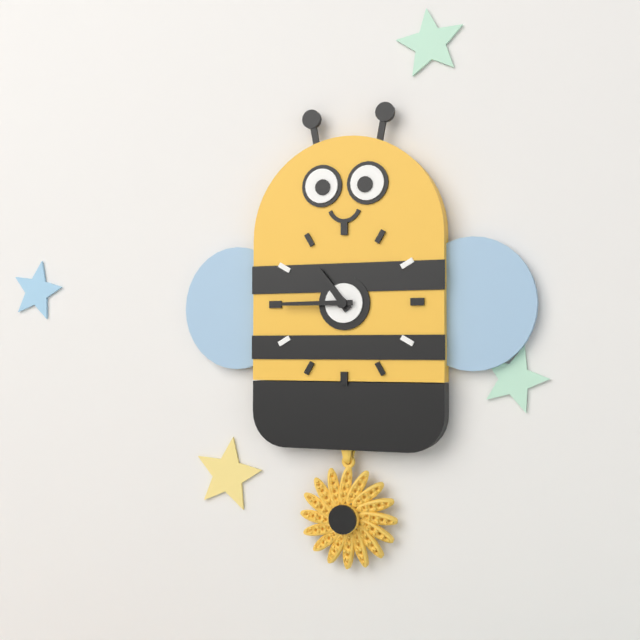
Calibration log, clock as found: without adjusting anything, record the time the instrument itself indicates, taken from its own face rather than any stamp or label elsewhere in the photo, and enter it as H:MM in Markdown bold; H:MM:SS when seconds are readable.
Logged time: **10:45**
